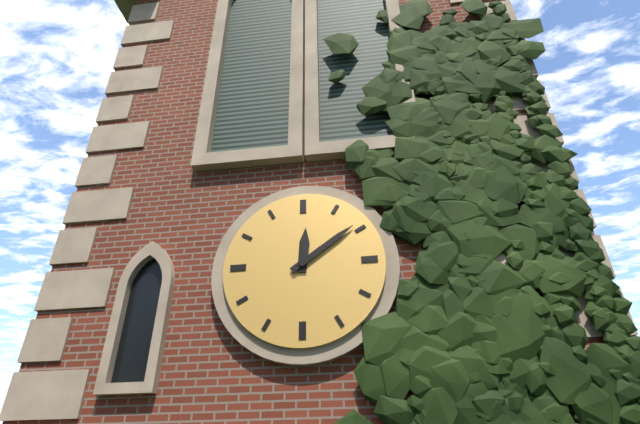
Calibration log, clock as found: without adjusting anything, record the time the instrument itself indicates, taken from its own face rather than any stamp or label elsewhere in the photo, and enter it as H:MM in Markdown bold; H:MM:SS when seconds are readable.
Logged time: **12:09**
